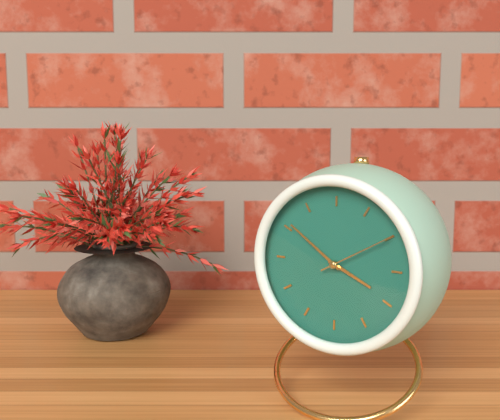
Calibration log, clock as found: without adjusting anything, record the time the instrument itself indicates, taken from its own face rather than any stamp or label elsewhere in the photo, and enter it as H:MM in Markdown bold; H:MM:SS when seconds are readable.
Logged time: **3:51:10**
